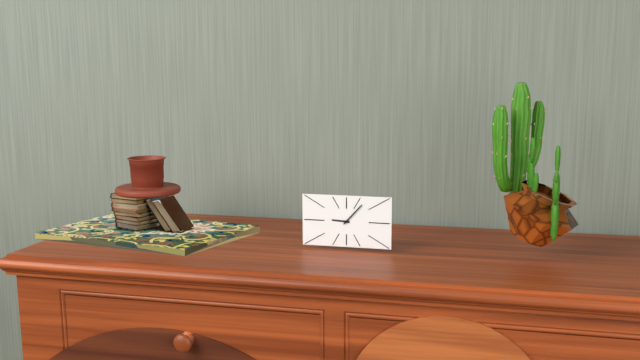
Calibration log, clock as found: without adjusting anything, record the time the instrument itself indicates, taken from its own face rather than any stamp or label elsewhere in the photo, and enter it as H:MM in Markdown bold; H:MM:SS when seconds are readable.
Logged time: **9:07**
